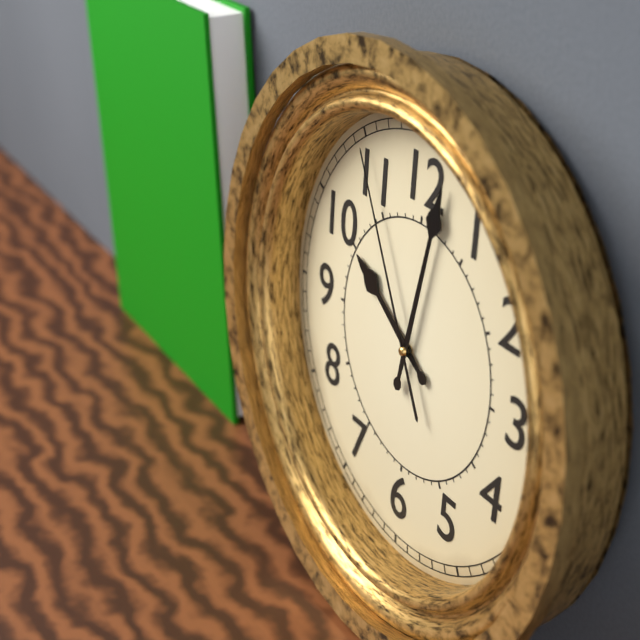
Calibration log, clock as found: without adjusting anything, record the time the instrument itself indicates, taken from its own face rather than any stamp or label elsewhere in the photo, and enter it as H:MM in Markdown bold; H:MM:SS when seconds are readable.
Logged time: **10:02:55**
